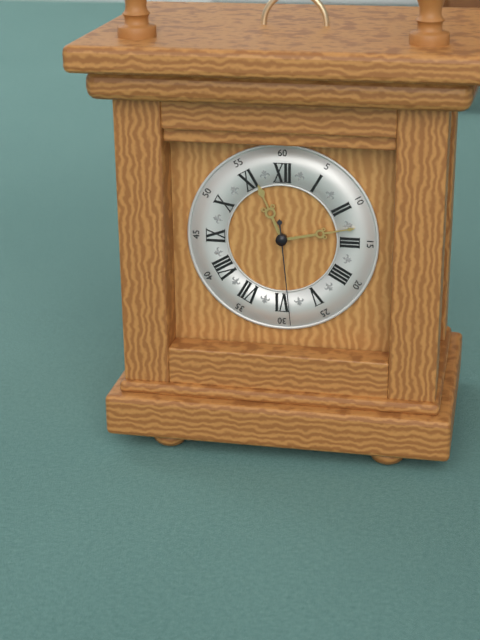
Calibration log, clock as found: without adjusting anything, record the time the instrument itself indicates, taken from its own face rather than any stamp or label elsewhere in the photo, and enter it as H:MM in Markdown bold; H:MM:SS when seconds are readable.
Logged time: **11:13:29**
